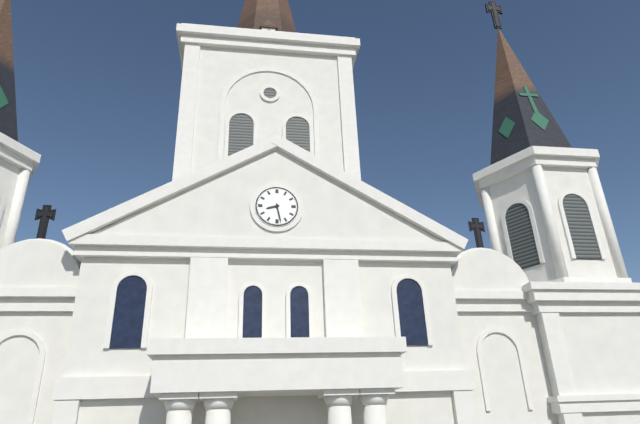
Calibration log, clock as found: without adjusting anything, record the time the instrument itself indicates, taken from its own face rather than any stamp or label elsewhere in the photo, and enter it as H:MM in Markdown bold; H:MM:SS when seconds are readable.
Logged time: **8:28**
